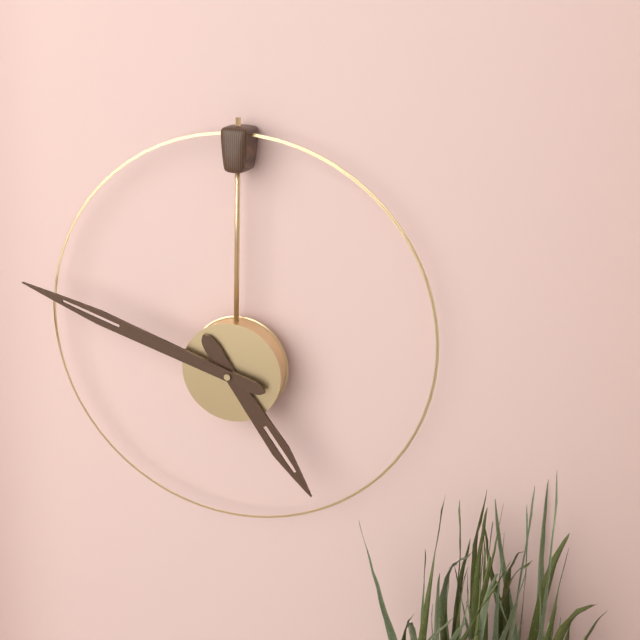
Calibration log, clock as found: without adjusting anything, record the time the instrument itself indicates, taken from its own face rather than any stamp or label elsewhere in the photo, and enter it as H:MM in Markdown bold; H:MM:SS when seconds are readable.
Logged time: **4:48**
